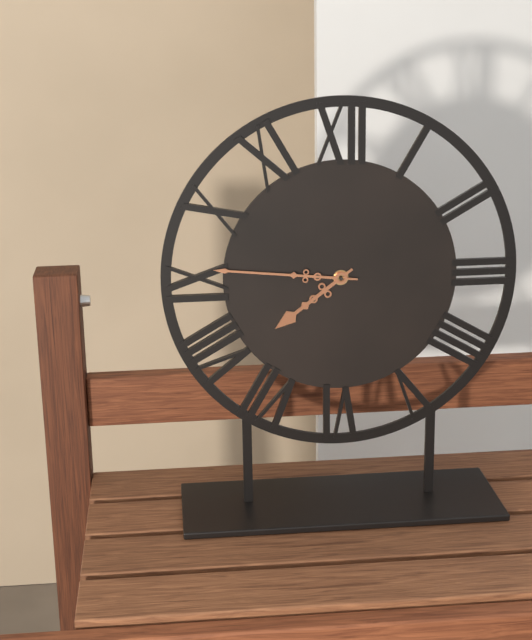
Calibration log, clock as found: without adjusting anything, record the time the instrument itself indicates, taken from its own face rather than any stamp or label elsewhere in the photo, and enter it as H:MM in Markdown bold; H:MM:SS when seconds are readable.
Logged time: **7:46**
